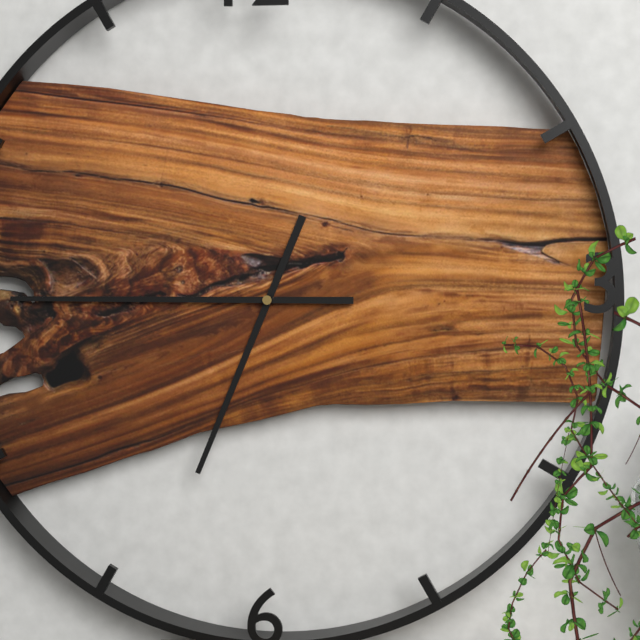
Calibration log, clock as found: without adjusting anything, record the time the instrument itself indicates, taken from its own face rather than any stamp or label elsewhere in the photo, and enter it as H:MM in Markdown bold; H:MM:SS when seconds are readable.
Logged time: **6:45**
